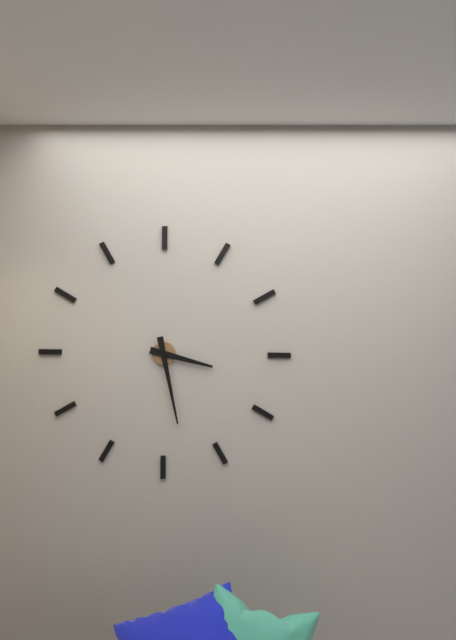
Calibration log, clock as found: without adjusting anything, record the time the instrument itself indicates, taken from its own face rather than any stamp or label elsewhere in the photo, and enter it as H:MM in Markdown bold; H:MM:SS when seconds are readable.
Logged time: **3:28**
